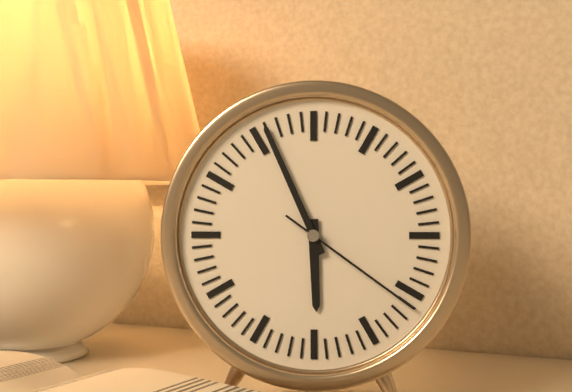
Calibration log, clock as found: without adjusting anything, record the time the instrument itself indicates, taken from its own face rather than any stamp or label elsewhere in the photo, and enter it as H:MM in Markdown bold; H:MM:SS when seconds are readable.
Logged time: **5:56:21**
